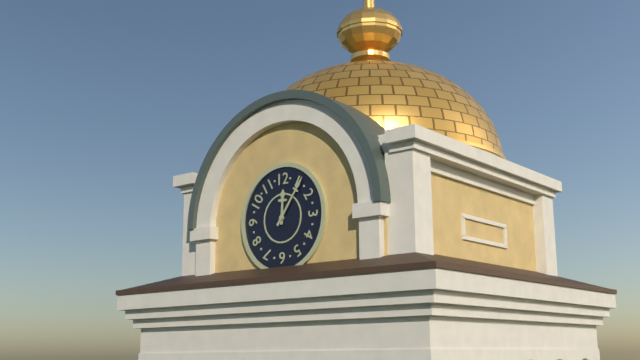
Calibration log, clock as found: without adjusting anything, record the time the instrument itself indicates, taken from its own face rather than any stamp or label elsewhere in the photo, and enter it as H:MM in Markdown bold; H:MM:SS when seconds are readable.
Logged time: **12:06**
